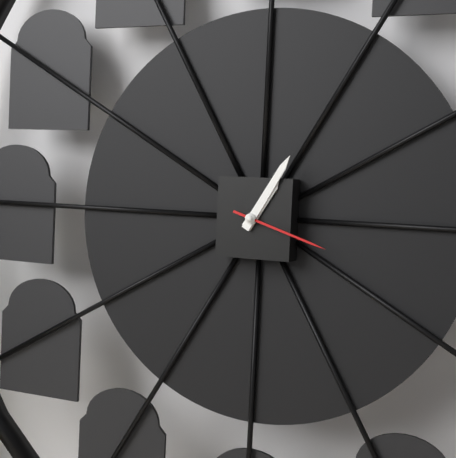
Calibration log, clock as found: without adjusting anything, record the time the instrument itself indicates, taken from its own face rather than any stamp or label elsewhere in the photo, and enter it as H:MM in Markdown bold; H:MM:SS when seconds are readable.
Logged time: **1:05:18**
